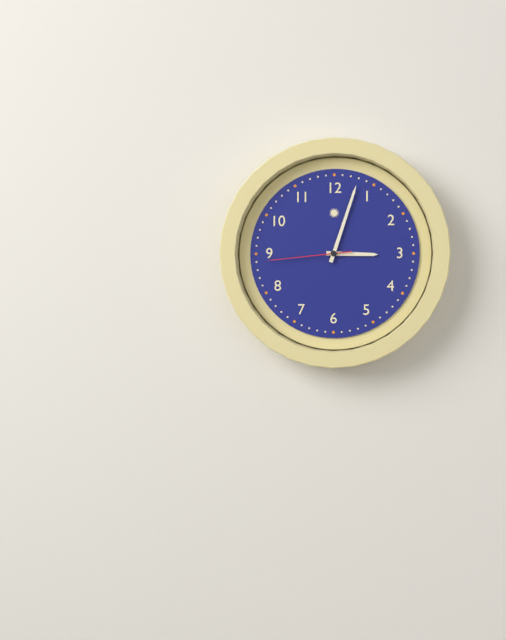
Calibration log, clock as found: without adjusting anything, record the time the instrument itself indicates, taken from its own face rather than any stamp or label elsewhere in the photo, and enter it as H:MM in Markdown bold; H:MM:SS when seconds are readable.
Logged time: **3:03:44**
